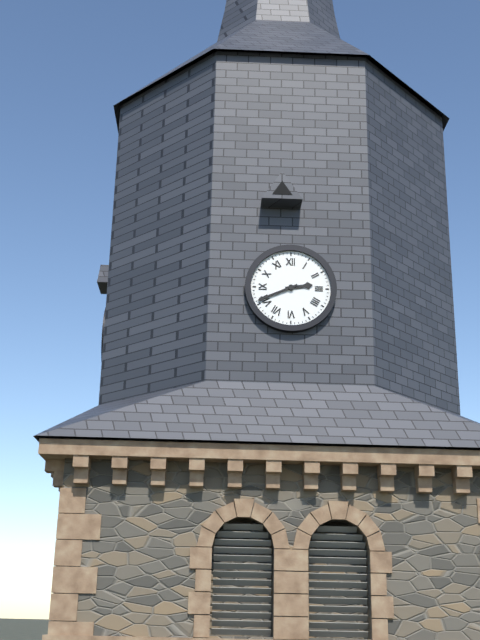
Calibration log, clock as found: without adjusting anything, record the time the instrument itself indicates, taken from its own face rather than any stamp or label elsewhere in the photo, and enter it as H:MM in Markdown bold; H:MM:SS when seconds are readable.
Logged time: **2:41**
